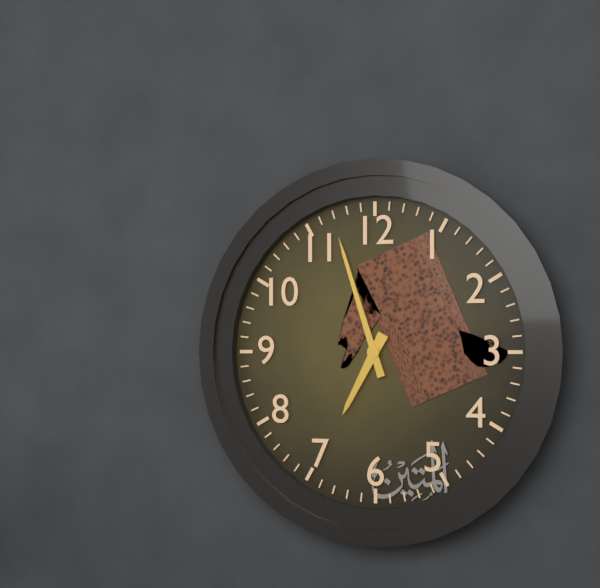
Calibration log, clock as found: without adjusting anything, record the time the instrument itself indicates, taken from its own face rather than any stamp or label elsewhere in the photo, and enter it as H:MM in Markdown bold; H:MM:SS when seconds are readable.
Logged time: **6:57**
